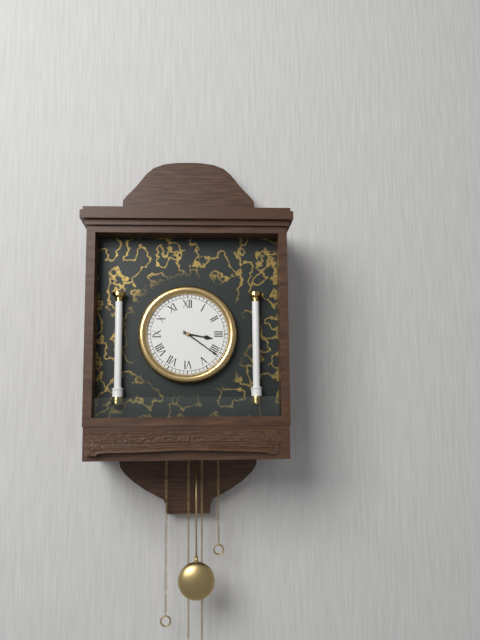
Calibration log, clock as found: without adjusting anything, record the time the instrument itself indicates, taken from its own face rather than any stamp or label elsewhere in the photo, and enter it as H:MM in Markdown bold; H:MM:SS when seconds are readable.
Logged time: **3:21**
